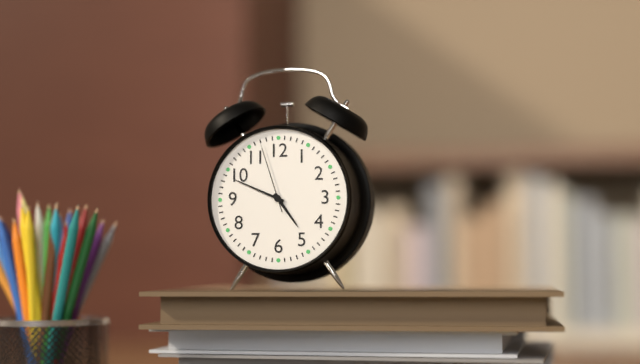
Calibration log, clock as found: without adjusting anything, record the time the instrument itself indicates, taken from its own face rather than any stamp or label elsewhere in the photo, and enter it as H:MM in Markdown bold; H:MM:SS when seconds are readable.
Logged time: **4:49:57**
